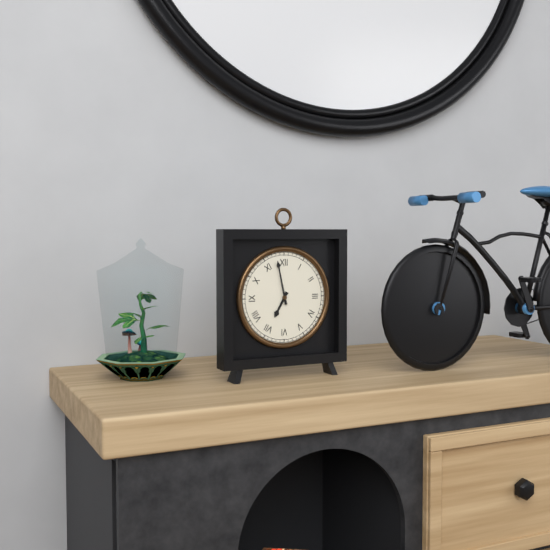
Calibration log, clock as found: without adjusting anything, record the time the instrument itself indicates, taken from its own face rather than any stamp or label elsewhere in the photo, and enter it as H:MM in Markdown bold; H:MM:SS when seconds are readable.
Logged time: **6:58**
